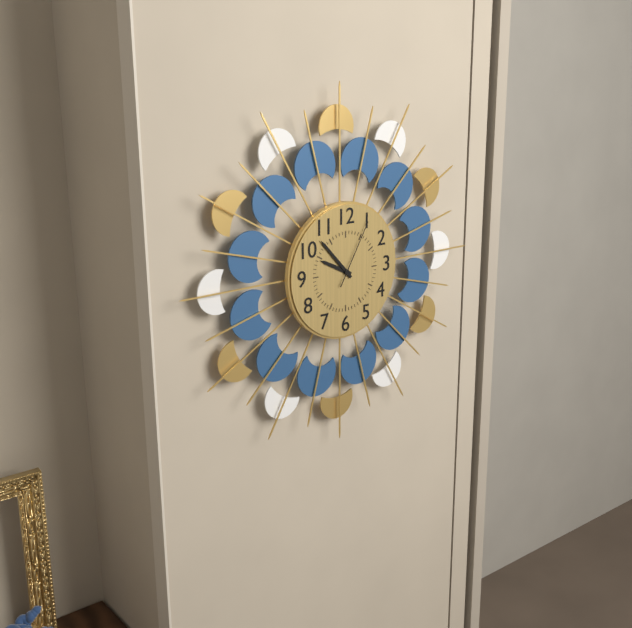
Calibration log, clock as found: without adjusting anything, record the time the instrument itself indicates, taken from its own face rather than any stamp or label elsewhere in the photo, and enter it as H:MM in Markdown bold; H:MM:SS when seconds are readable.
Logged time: **9:53:05**
